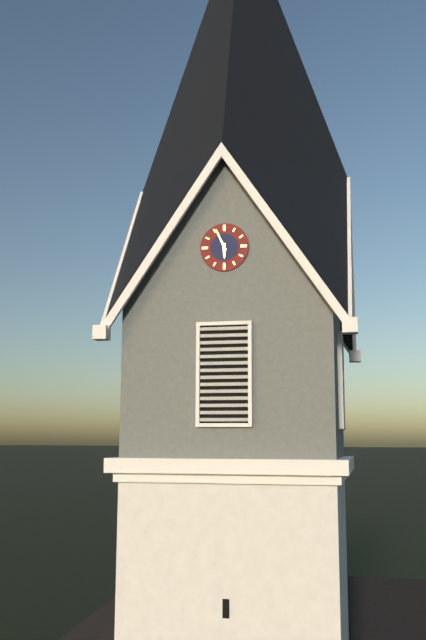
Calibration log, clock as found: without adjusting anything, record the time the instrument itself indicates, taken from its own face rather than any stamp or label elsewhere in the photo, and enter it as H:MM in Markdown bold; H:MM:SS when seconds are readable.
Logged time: **5:56**
